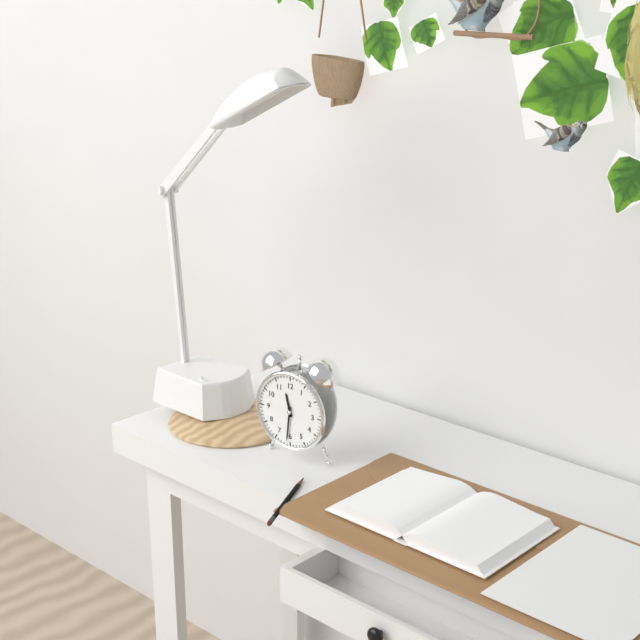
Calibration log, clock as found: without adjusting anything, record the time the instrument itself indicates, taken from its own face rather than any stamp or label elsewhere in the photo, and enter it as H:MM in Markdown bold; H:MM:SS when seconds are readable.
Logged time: **11:31**
